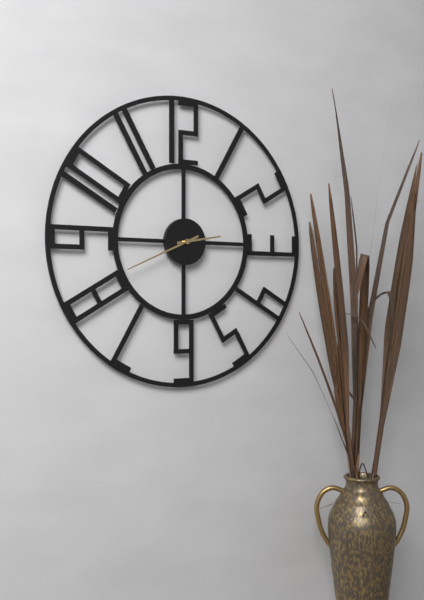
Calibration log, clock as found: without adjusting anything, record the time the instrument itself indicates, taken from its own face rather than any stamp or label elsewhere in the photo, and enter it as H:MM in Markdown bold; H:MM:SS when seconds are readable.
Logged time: **2:41**
